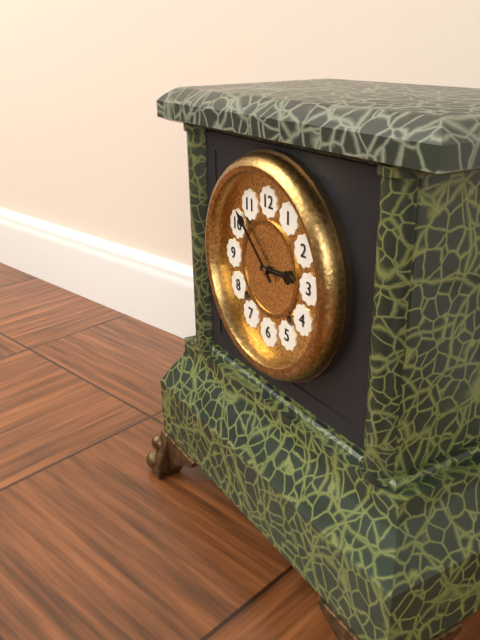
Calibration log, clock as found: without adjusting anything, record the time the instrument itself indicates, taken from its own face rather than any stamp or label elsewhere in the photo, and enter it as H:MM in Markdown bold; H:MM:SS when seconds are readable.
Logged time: **2:52**
